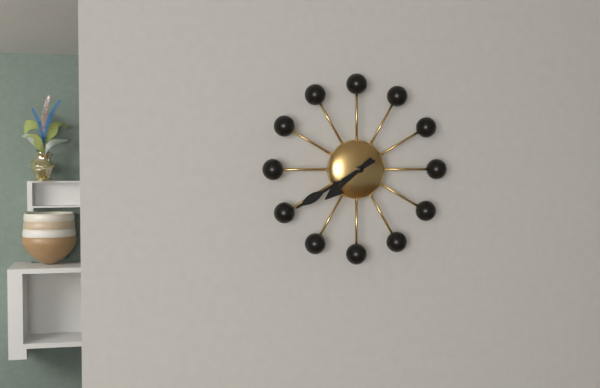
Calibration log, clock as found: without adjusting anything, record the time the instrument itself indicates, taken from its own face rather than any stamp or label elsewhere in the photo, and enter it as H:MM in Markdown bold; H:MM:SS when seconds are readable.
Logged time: **7:40**
